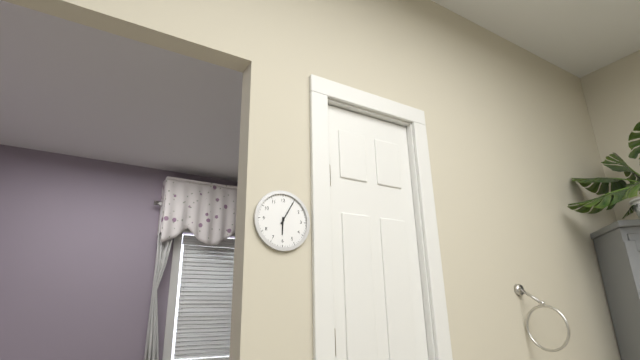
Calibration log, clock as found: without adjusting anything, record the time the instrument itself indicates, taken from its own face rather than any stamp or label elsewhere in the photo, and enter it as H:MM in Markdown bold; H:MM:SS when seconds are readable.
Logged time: **6:05**
